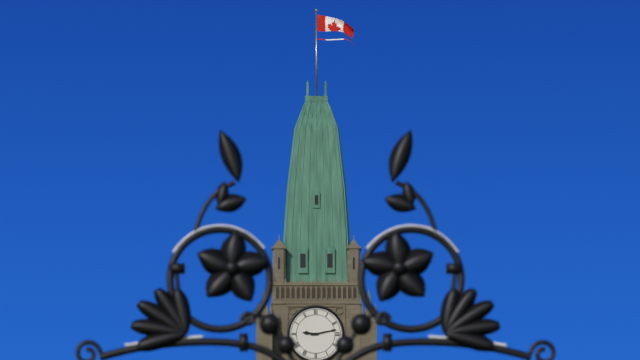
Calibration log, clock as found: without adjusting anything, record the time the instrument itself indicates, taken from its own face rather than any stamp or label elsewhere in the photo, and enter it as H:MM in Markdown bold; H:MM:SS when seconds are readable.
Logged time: **9:13**
